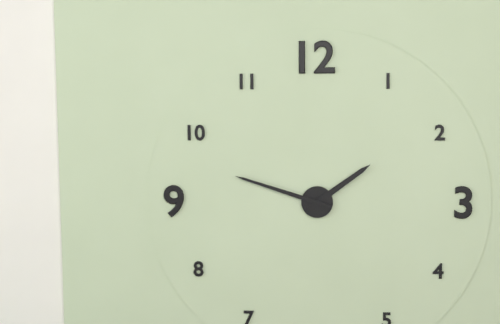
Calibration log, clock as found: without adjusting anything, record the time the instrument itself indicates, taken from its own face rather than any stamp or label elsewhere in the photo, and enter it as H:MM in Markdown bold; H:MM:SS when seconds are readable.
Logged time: **1:48**
